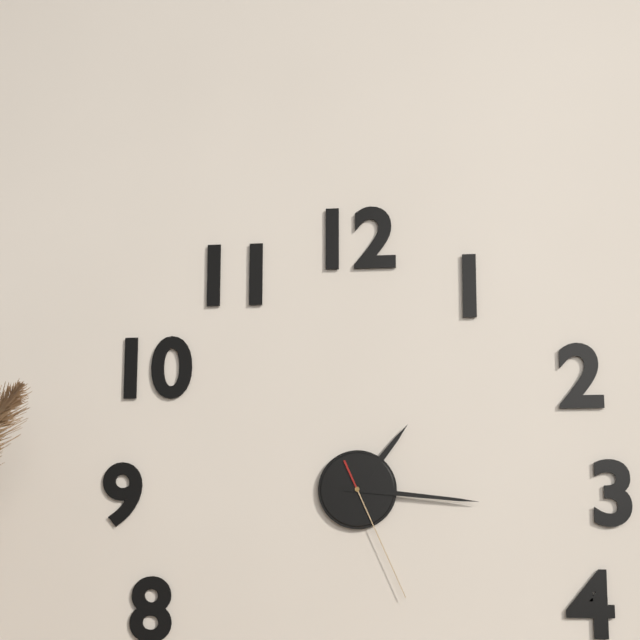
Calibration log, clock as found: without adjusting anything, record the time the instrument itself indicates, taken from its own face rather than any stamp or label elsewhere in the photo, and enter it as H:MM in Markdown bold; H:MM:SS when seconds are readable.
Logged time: **1:16:26**
